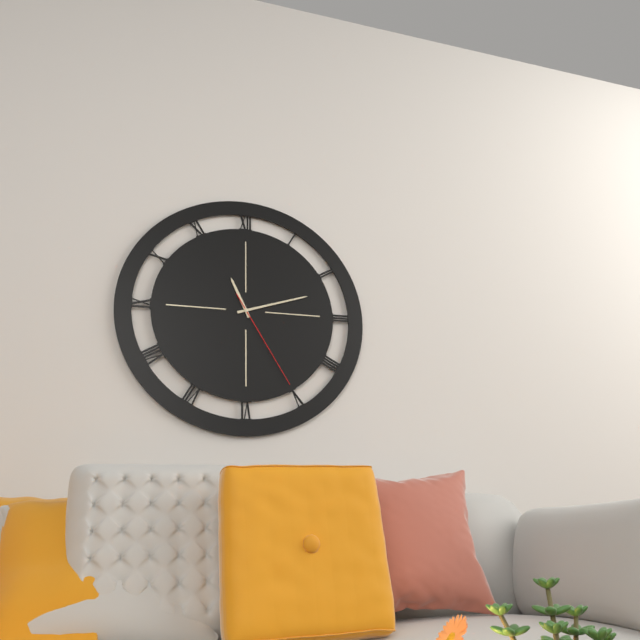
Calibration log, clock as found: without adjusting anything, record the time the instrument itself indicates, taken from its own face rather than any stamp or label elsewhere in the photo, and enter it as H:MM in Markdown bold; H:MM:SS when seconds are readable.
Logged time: **11:12:25**
